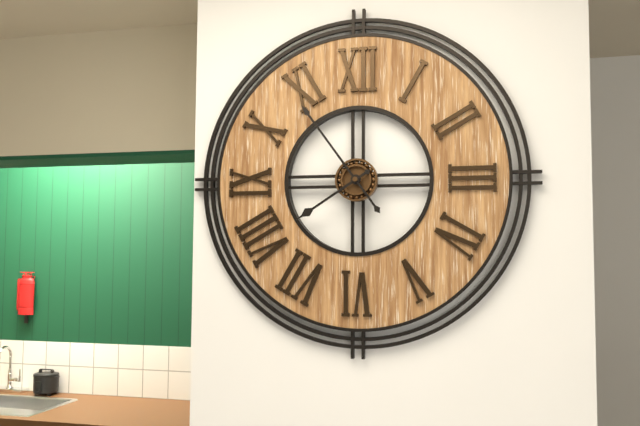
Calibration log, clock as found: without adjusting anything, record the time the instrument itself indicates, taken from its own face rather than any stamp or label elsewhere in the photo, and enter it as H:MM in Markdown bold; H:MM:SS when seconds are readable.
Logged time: **7:54**
